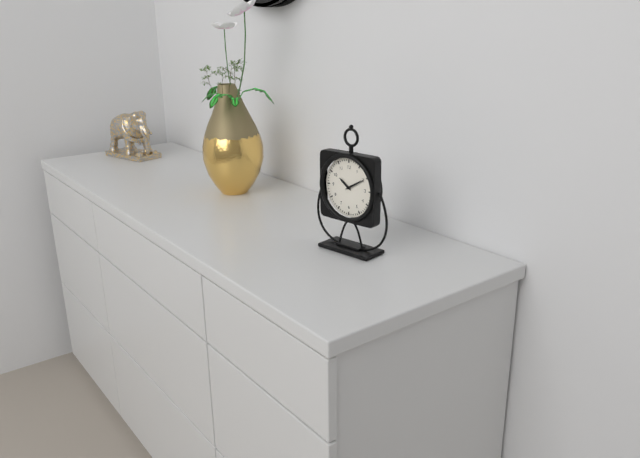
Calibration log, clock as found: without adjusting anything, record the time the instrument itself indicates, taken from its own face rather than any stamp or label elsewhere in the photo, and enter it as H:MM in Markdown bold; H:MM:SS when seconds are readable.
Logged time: **10:10**
